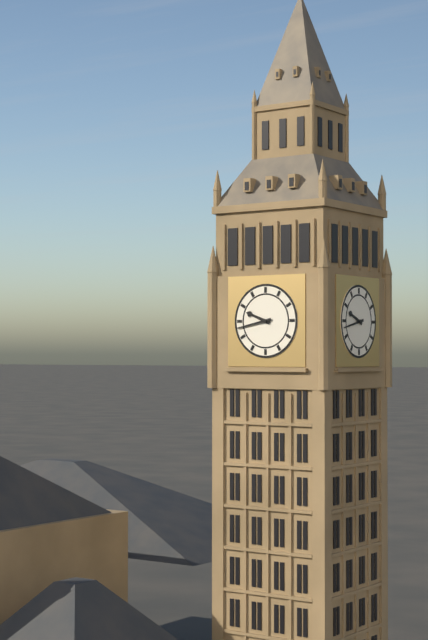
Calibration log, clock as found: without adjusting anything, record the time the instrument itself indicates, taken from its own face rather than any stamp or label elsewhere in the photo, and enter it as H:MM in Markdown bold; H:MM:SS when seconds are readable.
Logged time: **9:43**
